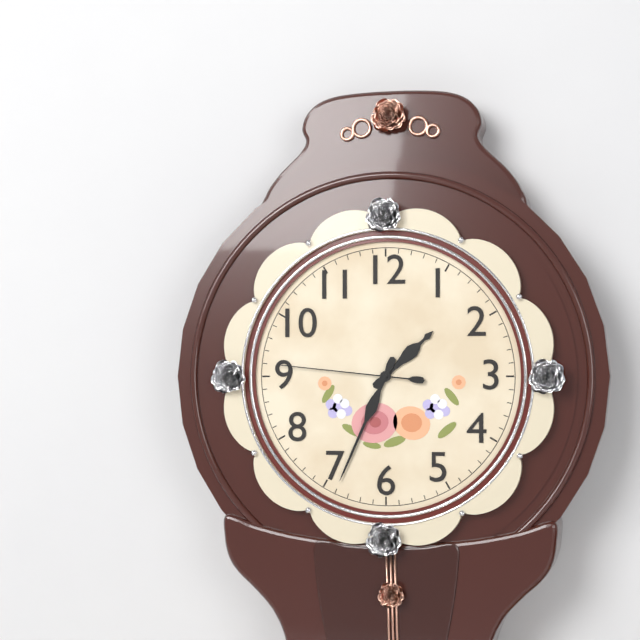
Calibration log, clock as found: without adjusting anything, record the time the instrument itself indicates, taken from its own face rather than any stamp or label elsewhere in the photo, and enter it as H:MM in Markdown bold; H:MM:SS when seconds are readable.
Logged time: **1:34:46**
